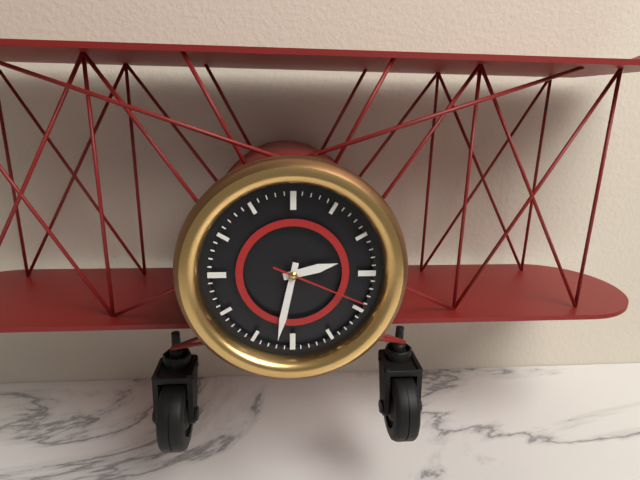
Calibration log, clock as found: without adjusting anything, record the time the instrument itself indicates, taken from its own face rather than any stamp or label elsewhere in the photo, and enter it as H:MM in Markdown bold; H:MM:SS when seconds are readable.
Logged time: **2:32:19**
